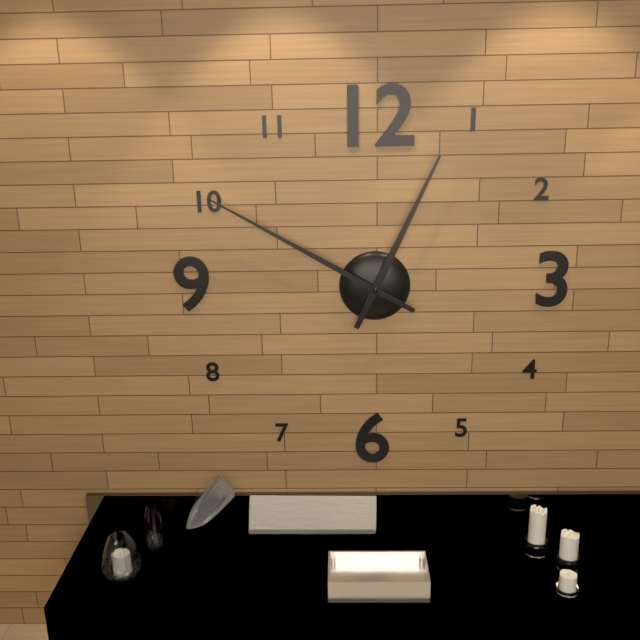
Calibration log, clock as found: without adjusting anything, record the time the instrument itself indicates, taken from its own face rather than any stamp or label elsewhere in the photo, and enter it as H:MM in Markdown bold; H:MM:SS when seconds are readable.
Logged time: **12:50**
